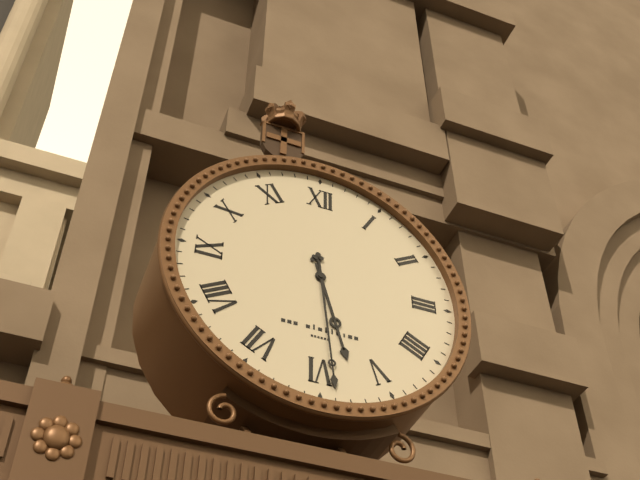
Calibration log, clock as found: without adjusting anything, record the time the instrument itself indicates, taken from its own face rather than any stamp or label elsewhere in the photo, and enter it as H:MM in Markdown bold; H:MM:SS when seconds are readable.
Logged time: **5:29**
